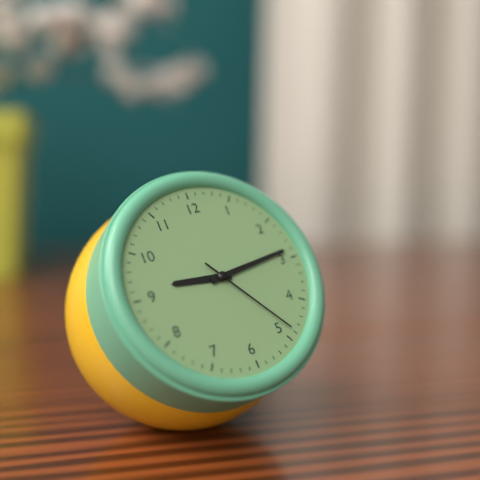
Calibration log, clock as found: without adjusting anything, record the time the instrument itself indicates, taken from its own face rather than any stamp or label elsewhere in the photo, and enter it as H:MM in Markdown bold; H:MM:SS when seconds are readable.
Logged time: **9:14:24**
